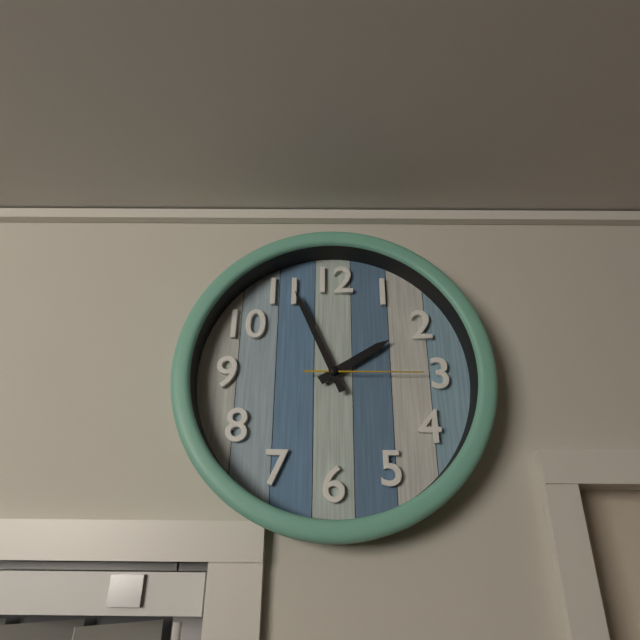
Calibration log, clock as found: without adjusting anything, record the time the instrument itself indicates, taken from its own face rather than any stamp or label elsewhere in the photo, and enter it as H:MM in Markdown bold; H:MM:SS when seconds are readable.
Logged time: **1:56:15**
